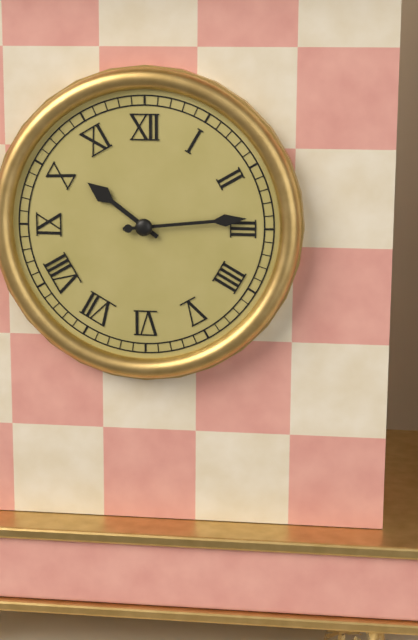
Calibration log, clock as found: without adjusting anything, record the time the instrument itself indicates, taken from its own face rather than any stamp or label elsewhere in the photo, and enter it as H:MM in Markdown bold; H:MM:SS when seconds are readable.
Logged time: **10:14**
